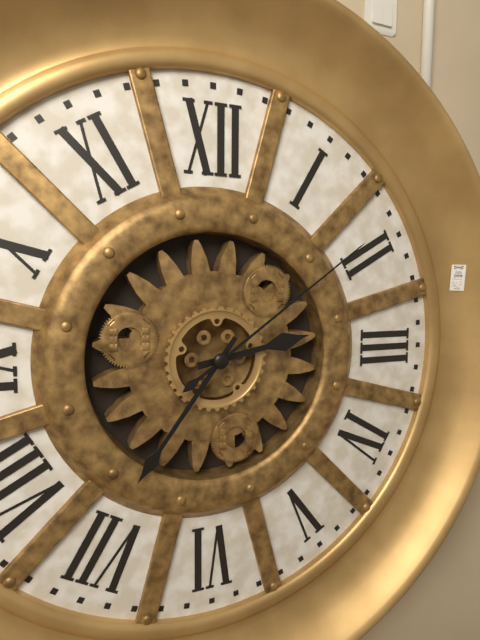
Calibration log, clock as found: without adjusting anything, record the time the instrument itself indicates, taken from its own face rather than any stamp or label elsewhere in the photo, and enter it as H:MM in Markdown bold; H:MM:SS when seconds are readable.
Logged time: **2:36:09**
